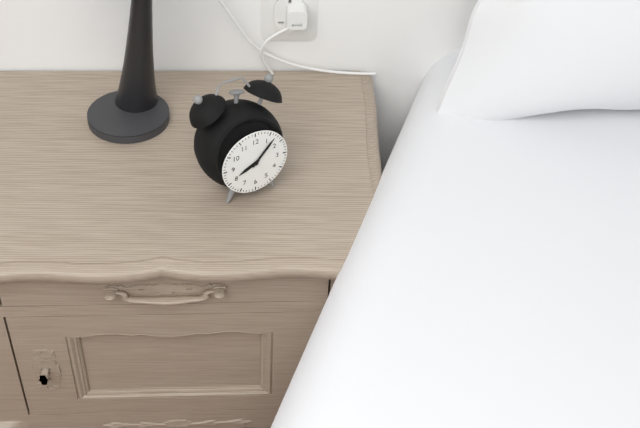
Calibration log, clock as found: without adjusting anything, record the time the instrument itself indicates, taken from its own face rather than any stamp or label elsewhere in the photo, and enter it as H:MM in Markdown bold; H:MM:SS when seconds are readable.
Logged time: **8:07**
